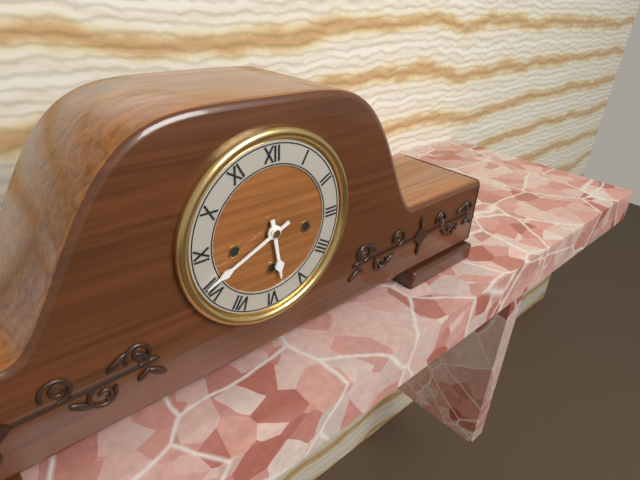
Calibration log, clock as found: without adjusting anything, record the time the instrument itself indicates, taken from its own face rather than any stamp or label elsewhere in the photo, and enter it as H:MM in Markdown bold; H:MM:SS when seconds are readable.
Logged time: **5:41**
